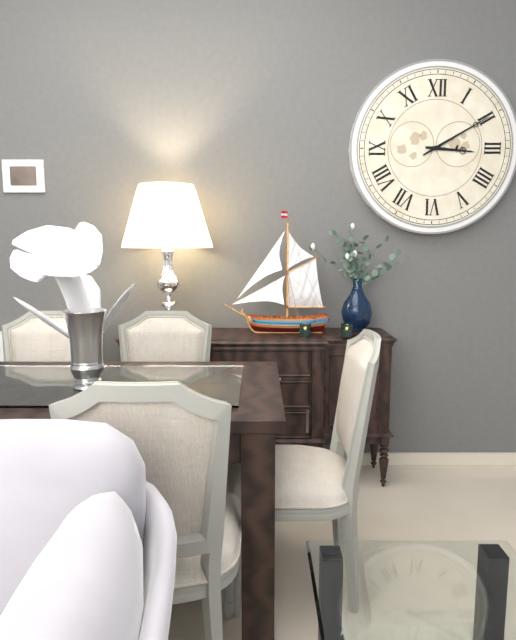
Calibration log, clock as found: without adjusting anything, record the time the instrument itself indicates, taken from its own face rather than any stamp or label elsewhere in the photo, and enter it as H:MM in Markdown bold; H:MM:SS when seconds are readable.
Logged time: **3:10**
